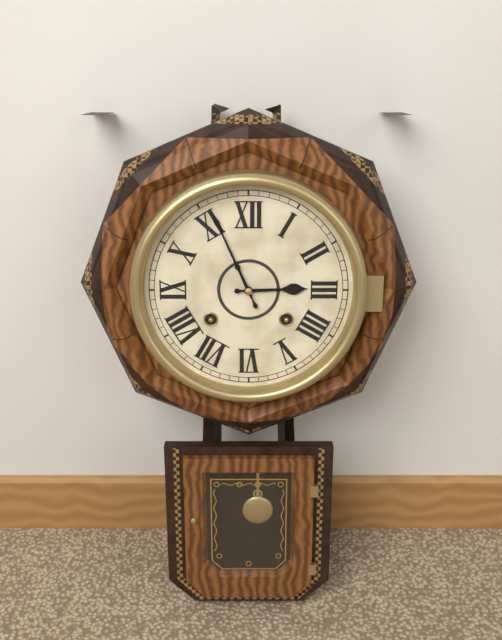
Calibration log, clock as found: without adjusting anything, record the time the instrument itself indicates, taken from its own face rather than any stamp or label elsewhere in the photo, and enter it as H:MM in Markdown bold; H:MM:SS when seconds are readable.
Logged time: **2:56**
